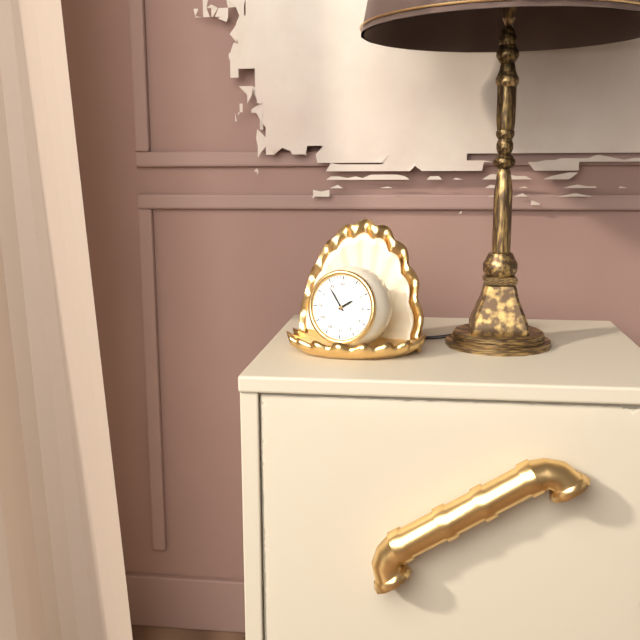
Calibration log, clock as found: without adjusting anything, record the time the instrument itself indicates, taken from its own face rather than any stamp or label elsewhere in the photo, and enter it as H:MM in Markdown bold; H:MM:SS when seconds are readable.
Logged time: **1:54**
